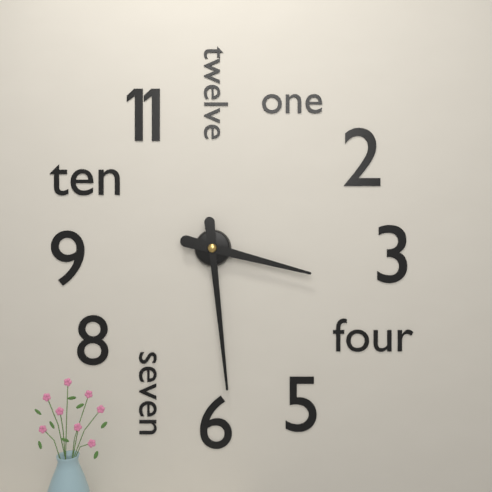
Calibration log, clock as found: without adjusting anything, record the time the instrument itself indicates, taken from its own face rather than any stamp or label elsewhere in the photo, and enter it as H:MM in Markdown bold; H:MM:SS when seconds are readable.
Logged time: **3:29**
